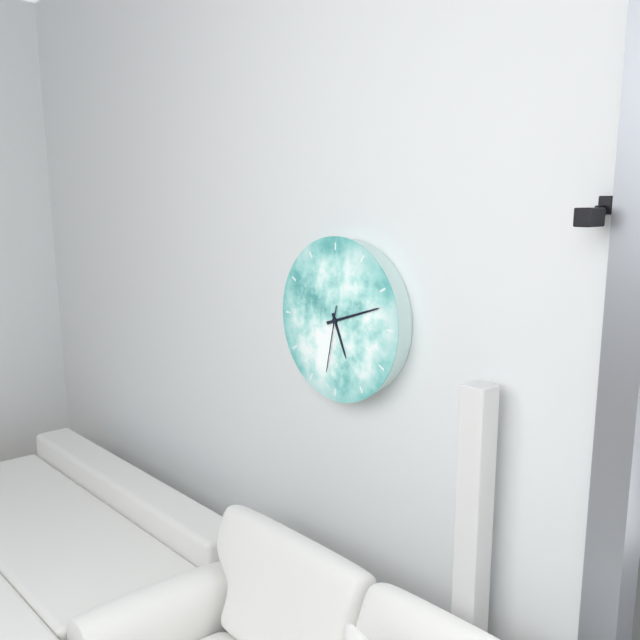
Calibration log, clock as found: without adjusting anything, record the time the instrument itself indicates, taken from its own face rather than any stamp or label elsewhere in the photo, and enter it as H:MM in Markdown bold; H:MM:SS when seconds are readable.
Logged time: **5:12:32**
